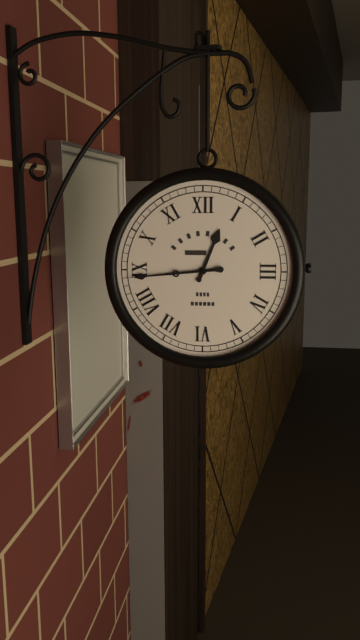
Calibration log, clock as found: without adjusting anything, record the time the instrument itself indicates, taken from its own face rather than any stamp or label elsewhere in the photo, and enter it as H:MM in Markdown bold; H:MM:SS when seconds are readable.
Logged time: **12:44:44**
